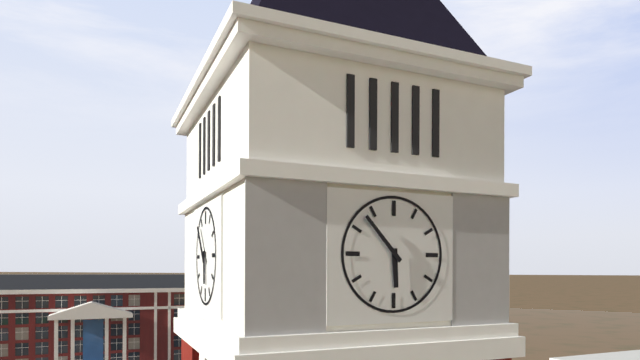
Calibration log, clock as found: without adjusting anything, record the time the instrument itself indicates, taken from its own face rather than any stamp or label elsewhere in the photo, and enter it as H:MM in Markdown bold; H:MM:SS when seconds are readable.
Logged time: **5:53**
